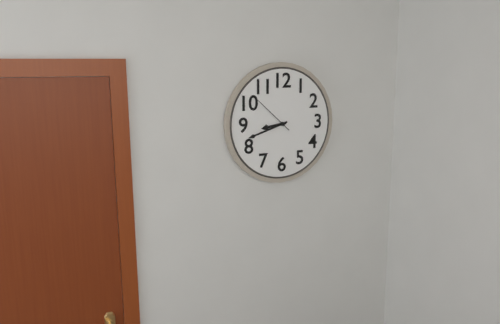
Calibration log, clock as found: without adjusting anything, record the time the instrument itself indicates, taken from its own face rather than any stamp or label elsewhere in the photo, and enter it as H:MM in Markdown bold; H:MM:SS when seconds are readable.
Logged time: **8:42:52**
